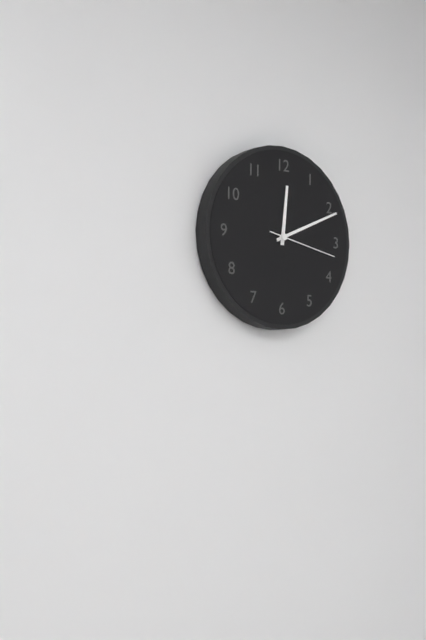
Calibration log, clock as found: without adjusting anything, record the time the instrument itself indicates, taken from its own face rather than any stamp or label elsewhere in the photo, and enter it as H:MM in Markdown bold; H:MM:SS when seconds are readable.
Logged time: **12:11:17**
